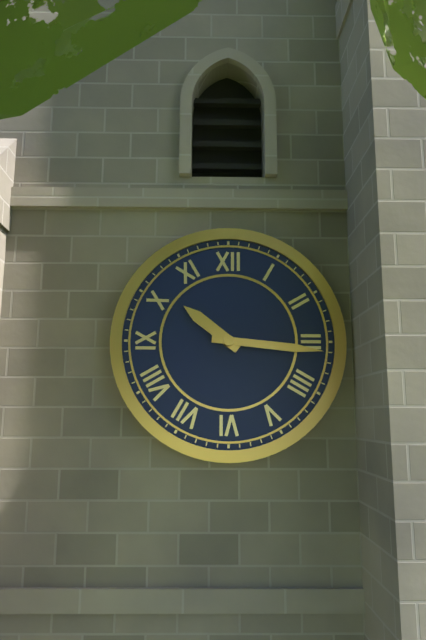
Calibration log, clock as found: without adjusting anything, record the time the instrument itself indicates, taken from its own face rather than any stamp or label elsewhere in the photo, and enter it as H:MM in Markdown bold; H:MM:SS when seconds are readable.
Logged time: **10:16**
